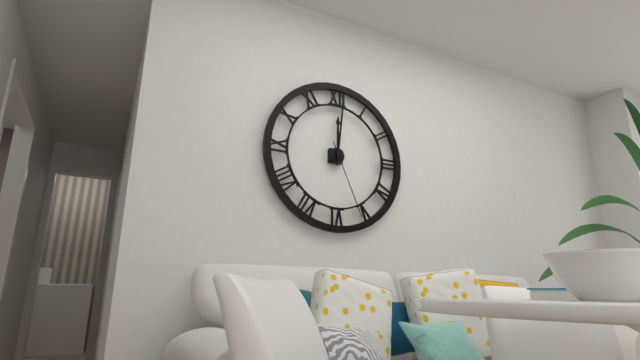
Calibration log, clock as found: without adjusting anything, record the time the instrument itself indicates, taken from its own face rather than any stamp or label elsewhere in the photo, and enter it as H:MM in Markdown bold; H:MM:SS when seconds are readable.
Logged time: **12:01:26**
